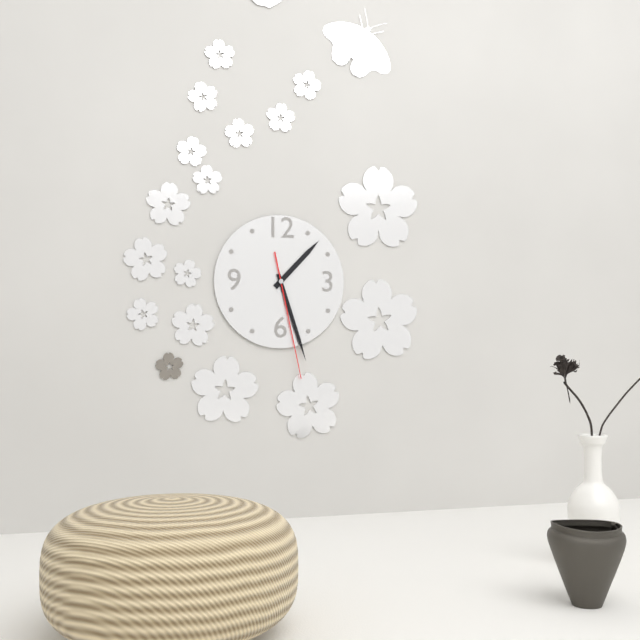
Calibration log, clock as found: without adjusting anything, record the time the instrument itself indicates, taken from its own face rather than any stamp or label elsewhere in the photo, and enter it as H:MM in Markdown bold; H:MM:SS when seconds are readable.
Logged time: **1:27:28**
